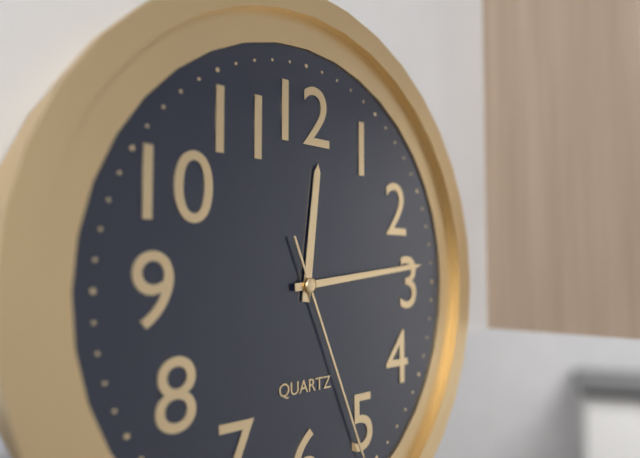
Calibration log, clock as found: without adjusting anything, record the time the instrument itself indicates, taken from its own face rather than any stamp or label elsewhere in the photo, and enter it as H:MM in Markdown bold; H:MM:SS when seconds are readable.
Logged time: **12:14**
